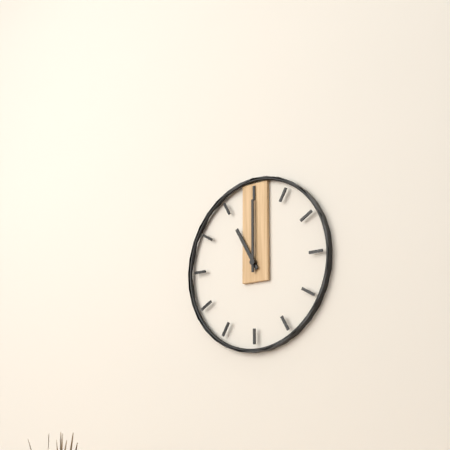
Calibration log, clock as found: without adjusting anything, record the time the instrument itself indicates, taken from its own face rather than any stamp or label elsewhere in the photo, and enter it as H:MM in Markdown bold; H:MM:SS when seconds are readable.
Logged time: **11:00**
